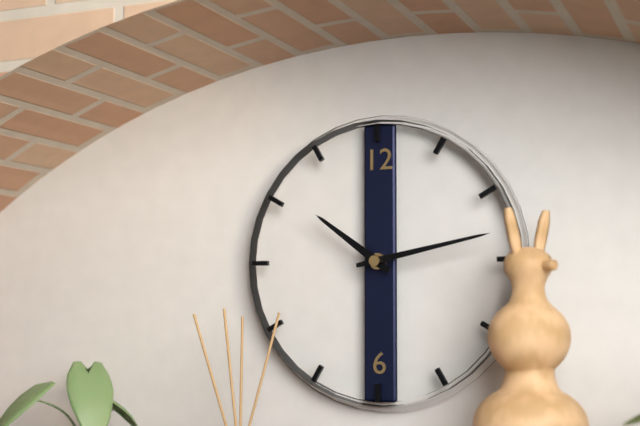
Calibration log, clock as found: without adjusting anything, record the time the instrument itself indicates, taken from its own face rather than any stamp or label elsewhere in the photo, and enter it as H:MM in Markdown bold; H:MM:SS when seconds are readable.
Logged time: **10:13**
